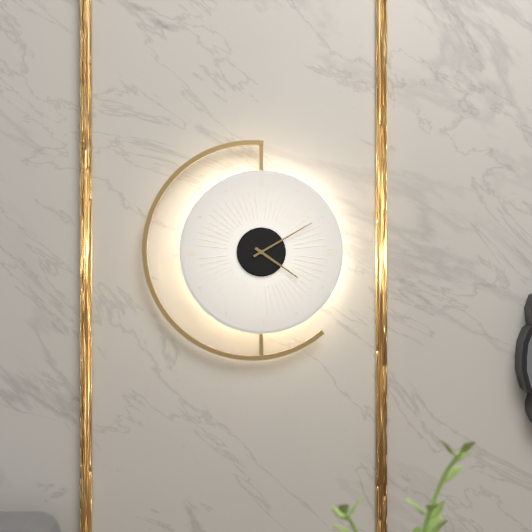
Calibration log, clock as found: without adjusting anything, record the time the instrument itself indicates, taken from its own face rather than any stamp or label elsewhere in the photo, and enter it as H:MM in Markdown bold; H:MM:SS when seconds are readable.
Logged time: **4:10**
